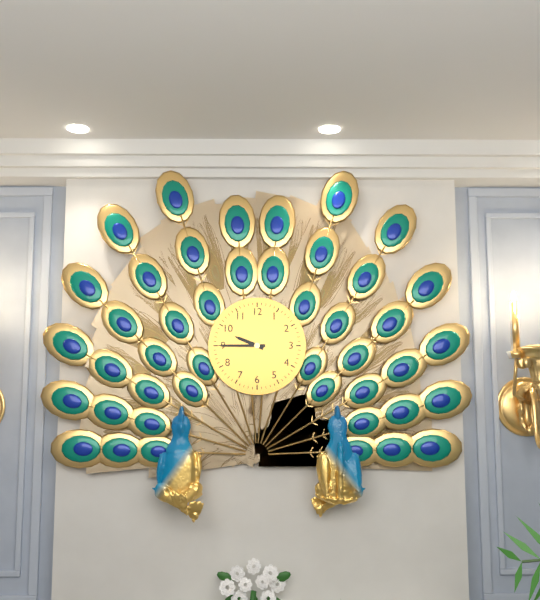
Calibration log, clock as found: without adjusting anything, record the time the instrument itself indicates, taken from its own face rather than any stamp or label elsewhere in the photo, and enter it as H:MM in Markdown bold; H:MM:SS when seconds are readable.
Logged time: **9:45**
